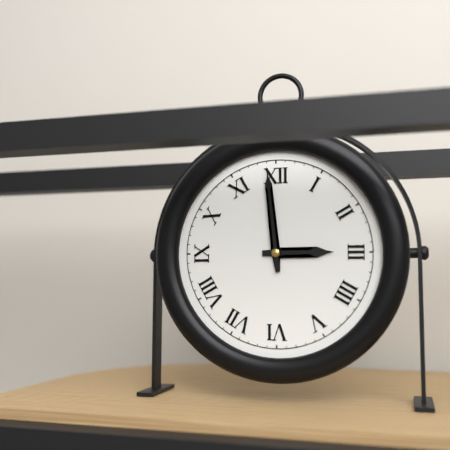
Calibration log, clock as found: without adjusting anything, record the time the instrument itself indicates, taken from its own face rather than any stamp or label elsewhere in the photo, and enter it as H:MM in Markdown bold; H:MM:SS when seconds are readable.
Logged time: **2:59**
